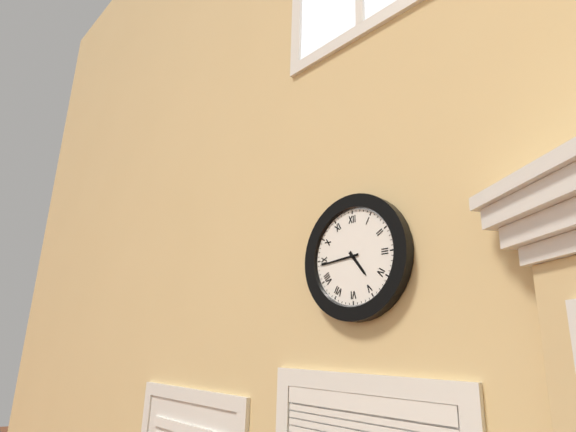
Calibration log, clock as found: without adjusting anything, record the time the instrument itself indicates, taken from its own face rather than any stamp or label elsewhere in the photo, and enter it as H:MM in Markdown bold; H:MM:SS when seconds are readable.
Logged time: **4:44**
